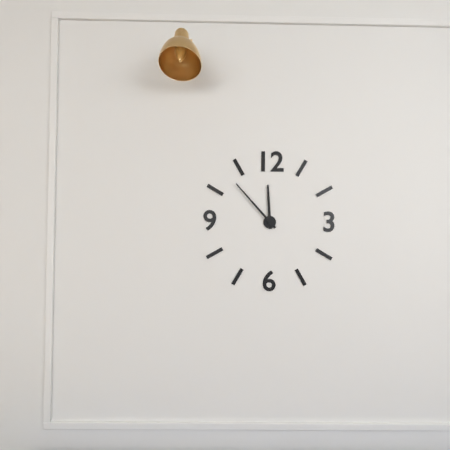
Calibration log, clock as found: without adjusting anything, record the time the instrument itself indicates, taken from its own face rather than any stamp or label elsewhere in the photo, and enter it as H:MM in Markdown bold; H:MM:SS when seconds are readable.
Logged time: **11:53**
